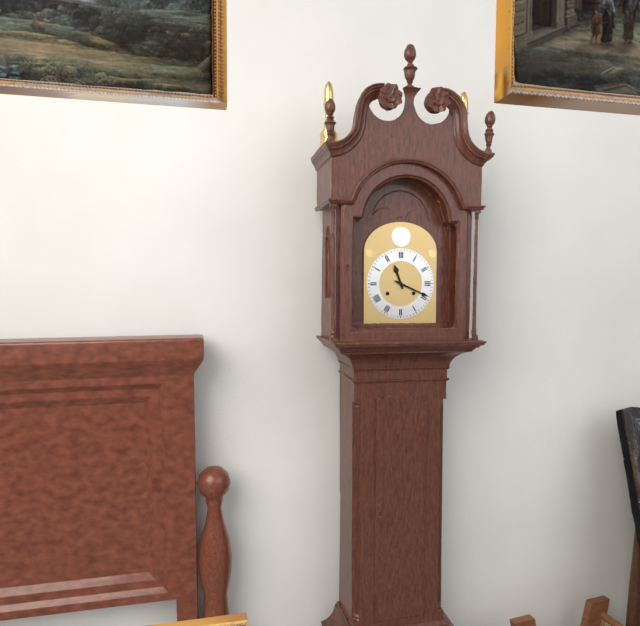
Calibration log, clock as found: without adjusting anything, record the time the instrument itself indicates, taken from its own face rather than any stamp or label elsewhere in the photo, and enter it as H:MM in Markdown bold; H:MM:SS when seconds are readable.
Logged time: **11:19**
